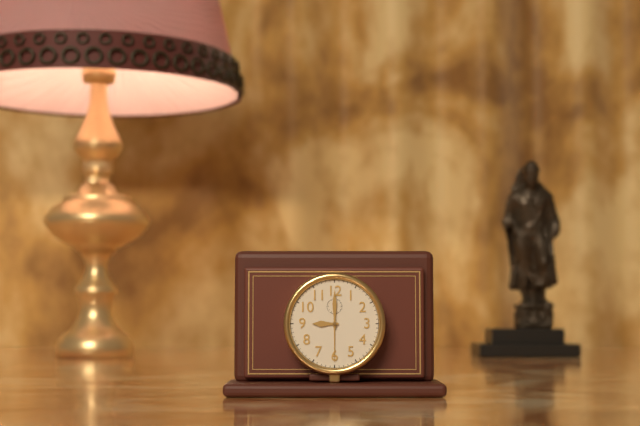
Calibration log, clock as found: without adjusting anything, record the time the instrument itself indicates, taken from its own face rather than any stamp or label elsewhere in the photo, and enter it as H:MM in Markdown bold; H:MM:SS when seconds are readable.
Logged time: **9:00**
